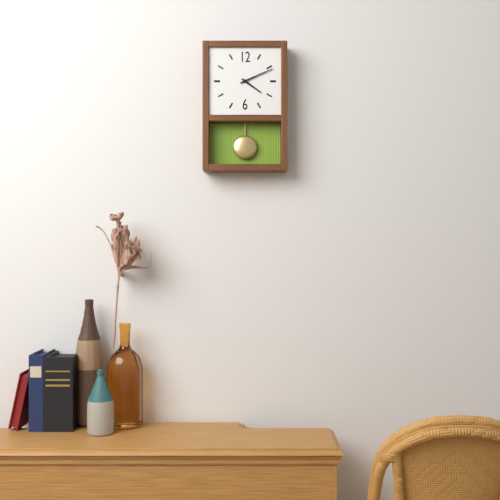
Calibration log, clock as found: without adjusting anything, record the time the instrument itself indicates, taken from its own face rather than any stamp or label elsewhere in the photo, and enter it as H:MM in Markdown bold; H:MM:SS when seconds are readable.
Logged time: **4:11**
